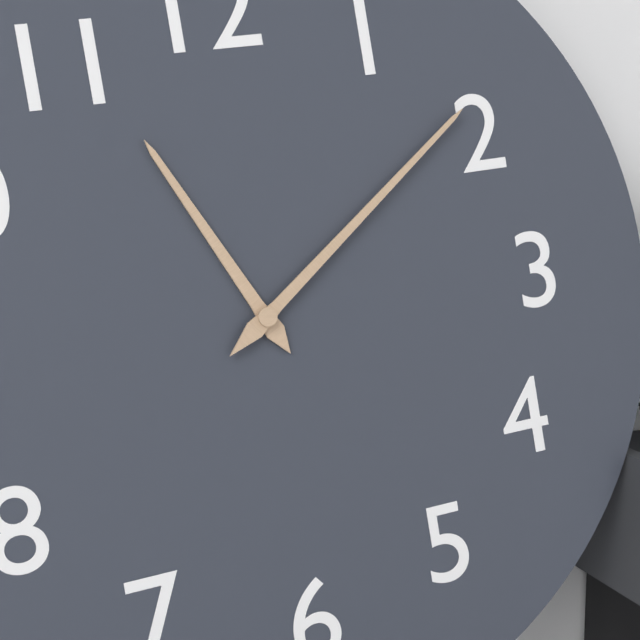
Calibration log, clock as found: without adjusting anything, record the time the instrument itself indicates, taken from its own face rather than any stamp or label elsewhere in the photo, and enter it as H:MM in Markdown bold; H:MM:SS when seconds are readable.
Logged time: **11:09**
